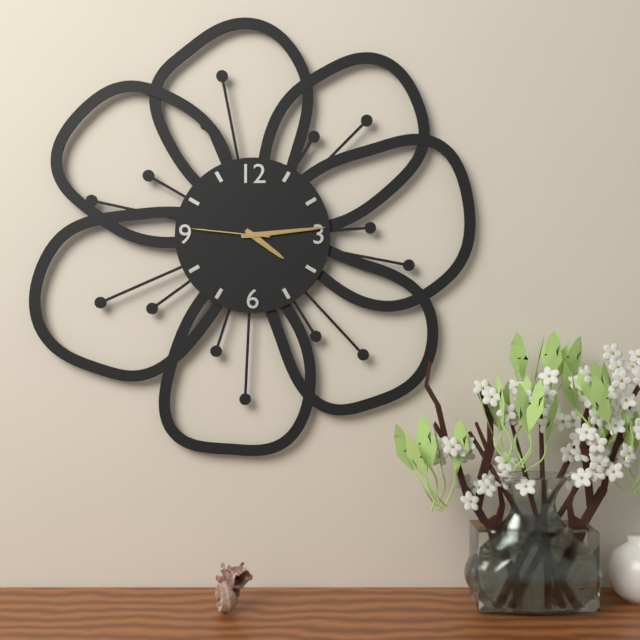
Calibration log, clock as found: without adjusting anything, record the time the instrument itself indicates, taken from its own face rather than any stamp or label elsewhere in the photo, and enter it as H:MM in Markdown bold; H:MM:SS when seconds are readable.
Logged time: **4:14:46**
